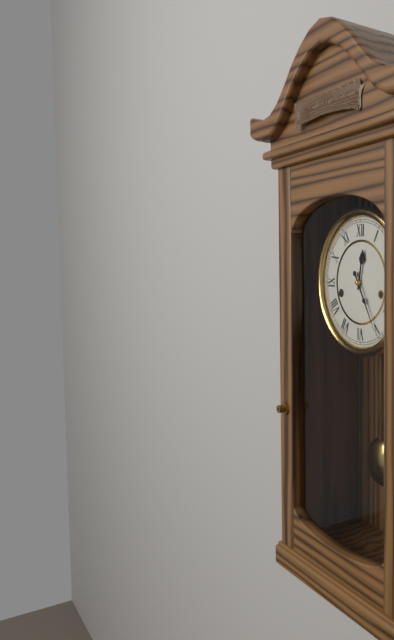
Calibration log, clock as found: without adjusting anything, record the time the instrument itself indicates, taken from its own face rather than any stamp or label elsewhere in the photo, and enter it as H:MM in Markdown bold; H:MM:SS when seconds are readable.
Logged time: **12:25**
